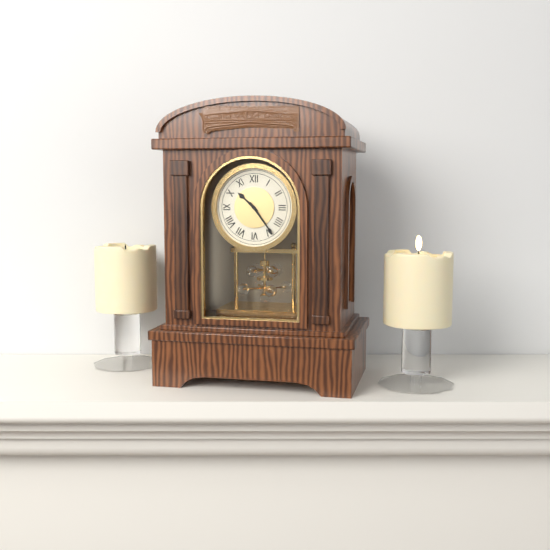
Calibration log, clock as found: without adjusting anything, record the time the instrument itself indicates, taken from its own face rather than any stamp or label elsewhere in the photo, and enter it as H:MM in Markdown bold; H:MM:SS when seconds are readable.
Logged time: **10:24**
